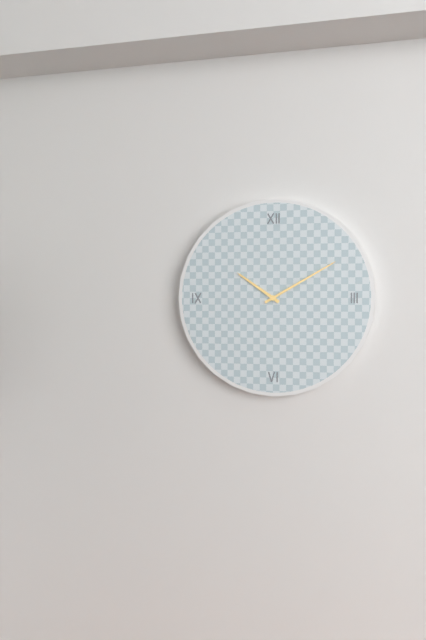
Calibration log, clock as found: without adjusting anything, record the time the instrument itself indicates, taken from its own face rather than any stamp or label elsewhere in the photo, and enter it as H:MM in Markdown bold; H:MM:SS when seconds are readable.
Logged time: **10:10**
